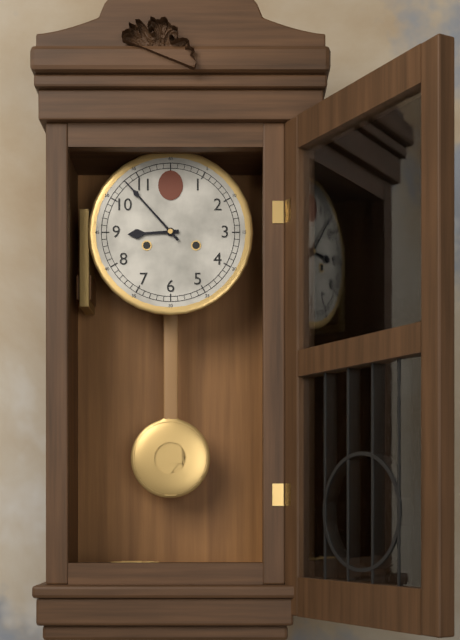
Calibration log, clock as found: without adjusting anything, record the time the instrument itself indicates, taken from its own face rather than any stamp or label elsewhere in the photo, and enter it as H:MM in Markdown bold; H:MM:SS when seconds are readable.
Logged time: **8:53**
